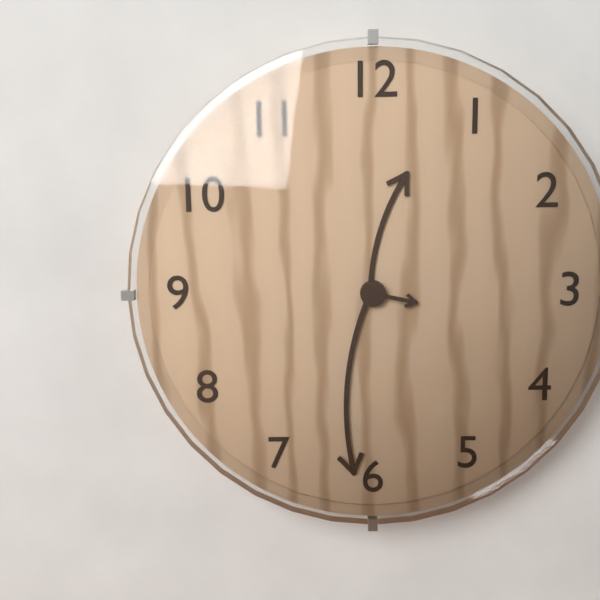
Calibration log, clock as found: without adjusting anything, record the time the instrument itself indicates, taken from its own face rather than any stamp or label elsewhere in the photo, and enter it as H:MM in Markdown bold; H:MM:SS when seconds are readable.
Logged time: **12:31:17**
